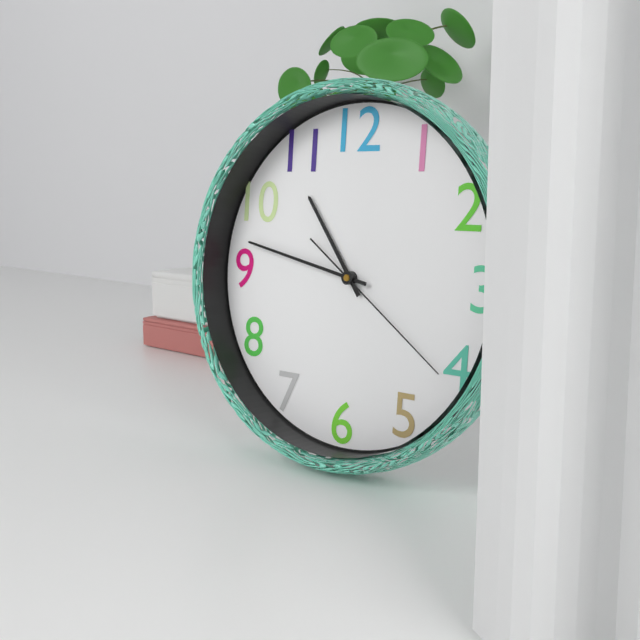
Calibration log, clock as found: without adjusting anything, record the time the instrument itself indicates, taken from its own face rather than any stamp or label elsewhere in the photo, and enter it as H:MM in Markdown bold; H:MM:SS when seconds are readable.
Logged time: **10:47:21**
